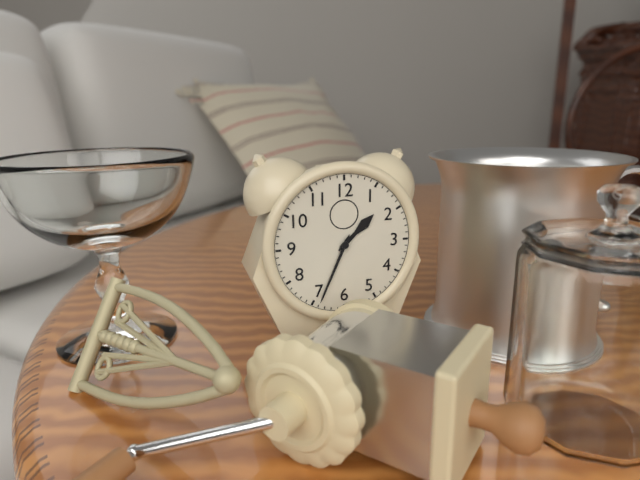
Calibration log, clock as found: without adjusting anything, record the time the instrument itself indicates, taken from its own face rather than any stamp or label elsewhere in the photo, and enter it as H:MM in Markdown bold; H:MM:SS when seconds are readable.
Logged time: **1:34**
